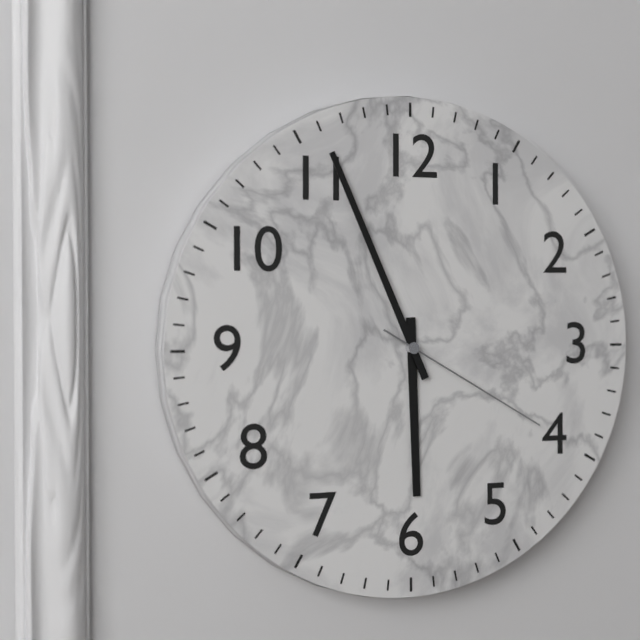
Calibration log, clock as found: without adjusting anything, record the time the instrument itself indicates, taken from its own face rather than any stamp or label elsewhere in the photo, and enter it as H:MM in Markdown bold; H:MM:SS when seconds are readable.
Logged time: **5:56:20**
